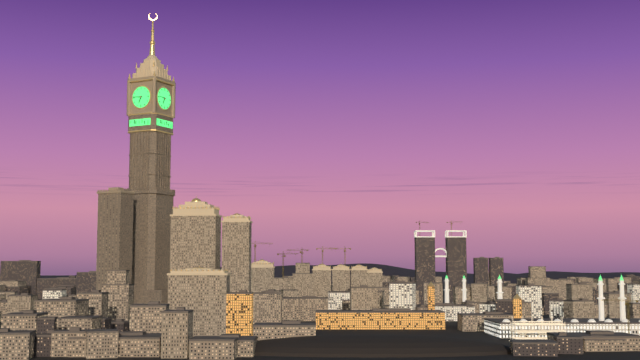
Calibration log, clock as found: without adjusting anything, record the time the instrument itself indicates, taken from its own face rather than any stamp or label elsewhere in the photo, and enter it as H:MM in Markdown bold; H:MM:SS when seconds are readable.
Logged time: **6:46**
